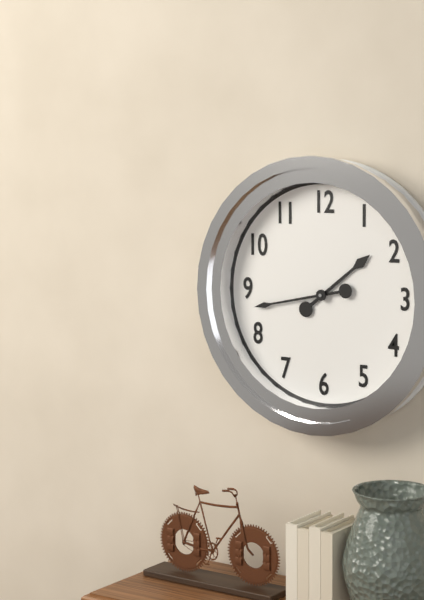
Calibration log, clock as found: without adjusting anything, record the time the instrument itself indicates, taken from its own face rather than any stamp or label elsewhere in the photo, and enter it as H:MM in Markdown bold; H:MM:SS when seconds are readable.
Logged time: **1:43**
